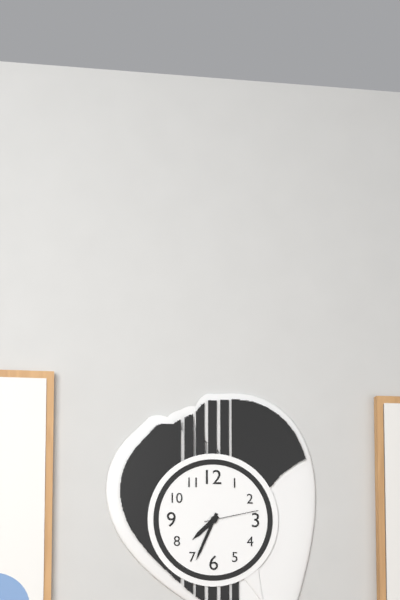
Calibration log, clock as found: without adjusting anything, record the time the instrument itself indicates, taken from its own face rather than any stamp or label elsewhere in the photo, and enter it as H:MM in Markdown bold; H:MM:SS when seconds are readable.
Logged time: **7:34:13**
